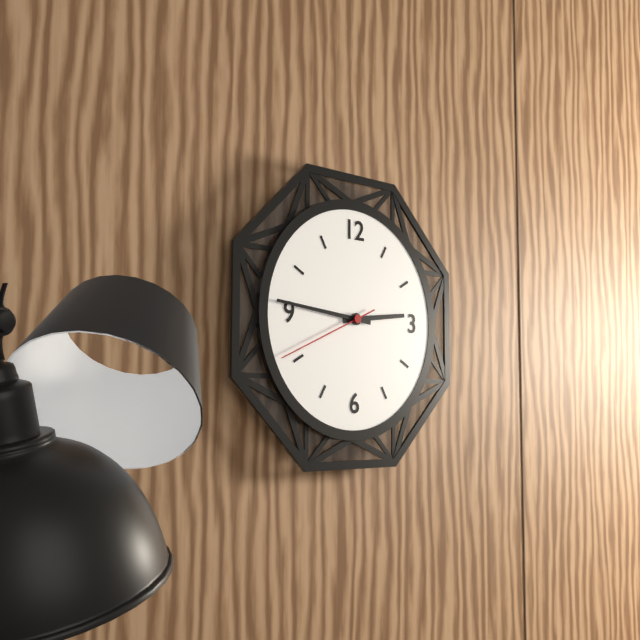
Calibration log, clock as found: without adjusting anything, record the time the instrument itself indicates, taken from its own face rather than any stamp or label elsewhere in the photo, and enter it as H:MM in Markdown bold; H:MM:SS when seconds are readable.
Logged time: **2:46:41**
